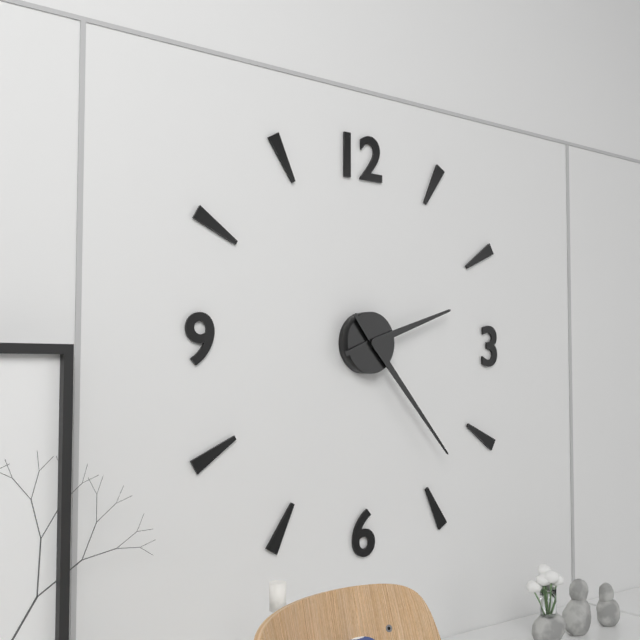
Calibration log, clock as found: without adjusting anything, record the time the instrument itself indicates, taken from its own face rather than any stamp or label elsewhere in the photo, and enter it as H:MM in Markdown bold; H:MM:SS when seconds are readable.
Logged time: **2:23**
